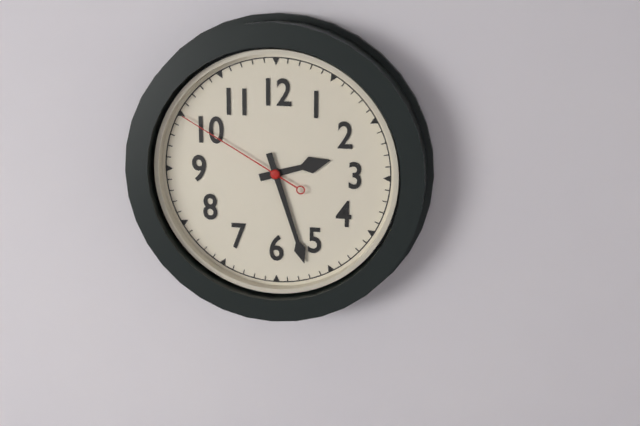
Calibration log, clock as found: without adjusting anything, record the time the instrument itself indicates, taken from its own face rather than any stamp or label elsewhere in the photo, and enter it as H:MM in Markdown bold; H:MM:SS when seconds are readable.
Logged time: **2:27:50**
